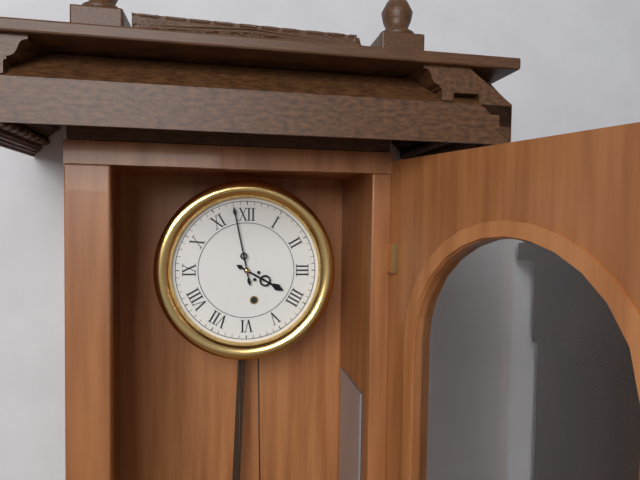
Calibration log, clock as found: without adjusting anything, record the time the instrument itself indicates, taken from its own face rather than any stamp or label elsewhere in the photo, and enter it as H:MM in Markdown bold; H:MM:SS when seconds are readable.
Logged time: **3:58**
